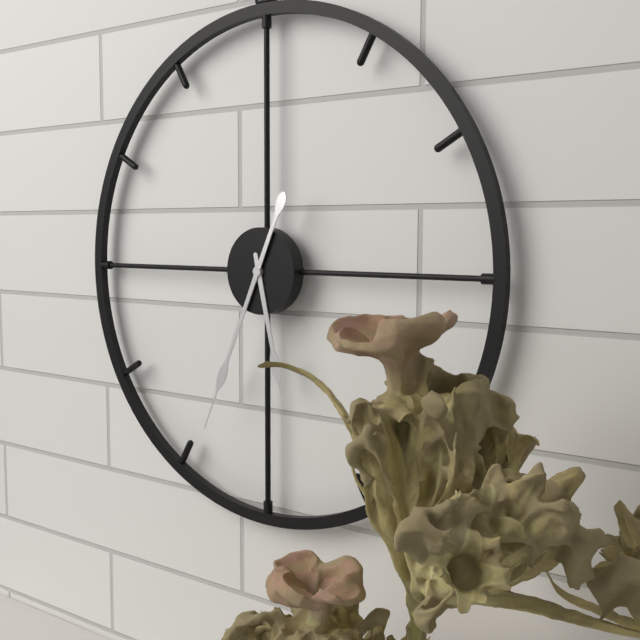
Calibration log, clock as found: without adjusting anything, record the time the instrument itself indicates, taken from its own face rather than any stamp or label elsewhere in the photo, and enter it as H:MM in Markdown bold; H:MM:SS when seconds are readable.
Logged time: **5:34**
